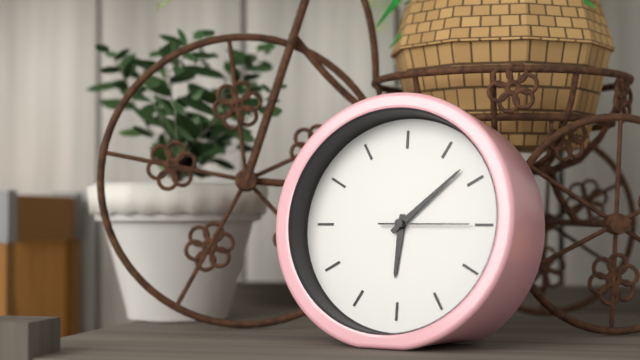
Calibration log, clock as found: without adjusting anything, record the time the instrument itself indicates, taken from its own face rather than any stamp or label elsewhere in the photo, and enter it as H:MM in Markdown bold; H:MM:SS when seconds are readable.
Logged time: **6:08:15**
